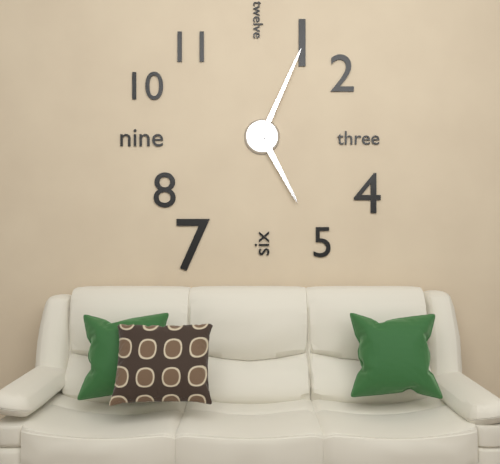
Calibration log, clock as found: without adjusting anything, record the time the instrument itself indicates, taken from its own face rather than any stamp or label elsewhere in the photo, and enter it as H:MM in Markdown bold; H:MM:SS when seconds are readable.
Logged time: **5:04**
